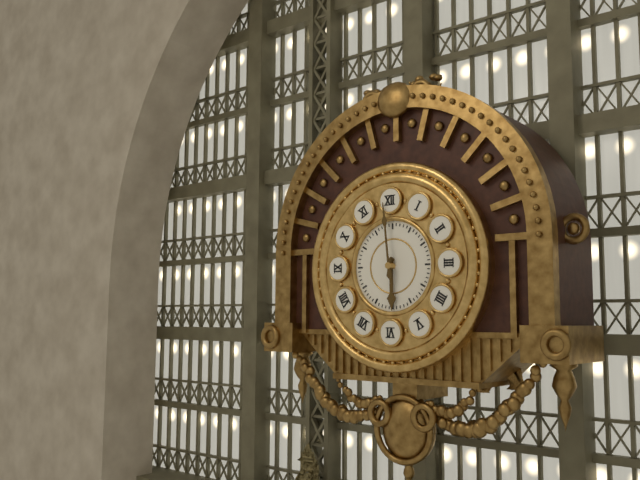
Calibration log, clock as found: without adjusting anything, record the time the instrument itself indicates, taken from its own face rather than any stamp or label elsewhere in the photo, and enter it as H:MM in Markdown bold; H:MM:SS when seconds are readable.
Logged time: **5:59**
